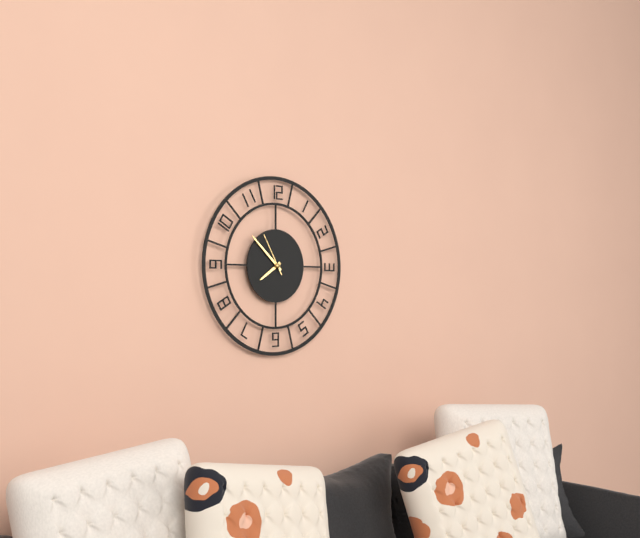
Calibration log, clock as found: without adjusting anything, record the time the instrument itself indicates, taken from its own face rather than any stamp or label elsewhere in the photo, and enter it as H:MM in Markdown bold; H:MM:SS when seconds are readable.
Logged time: **7:52**
